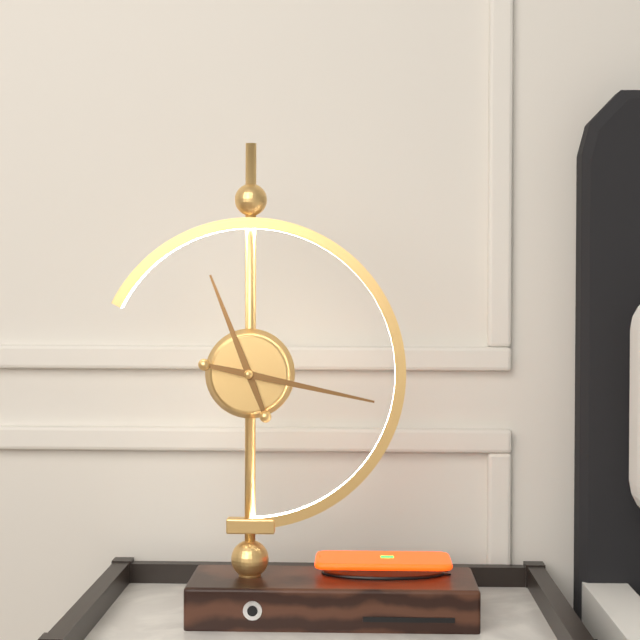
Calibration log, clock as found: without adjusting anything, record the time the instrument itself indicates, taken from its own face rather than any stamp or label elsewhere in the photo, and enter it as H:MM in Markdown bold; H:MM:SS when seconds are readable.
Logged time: **11:17**
